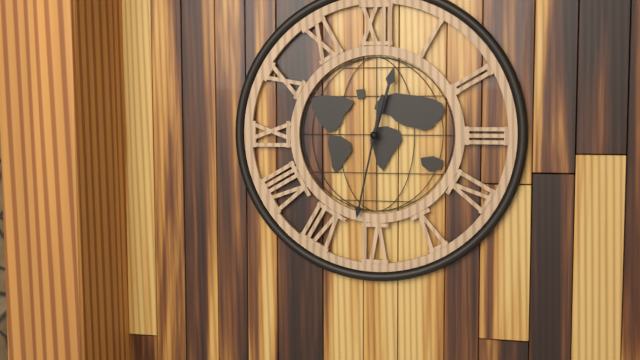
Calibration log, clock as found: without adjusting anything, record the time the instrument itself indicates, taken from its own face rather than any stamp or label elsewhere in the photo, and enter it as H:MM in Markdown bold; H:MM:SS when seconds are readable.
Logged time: **12:32**
